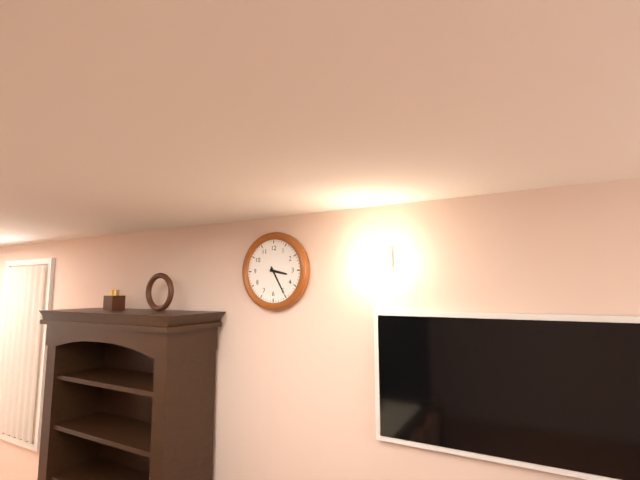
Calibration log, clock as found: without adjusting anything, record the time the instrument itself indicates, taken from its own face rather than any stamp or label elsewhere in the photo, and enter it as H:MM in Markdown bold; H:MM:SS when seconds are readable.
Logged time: **3:25**
